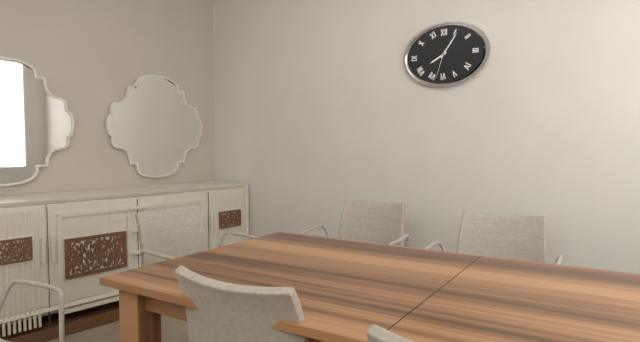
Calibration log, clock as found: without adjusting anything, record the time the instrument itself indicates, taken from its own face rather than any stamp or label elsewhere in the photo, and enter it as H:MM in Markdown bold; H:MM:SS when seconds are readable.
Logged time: **8:06**
